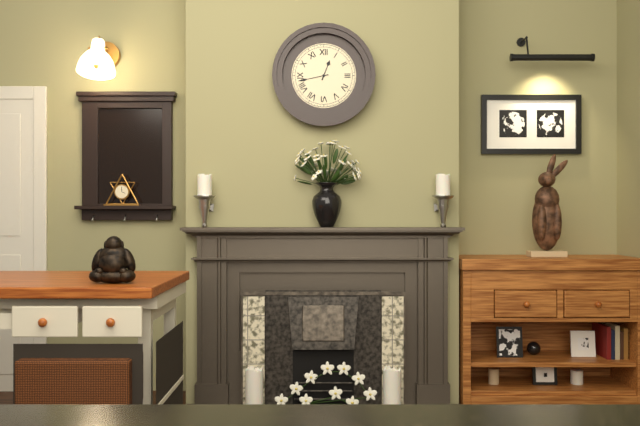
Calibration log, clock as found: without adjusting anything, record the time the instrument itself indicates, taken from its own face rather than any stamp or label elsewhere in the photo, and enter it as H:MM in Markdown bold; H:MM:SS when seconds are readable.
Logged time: **12:43**
